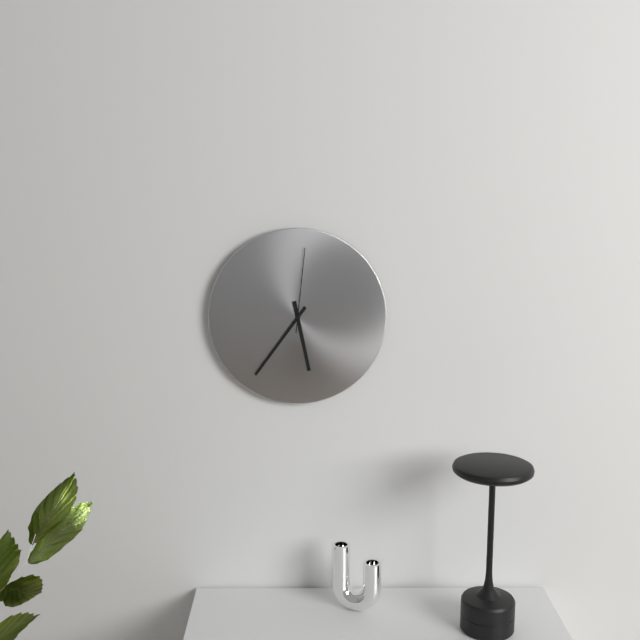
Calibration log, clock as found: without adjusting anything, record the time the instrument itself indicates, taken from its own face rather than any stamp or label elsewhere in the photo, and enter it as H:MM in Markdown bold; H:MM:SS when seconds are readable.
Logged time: **5:36:01**
